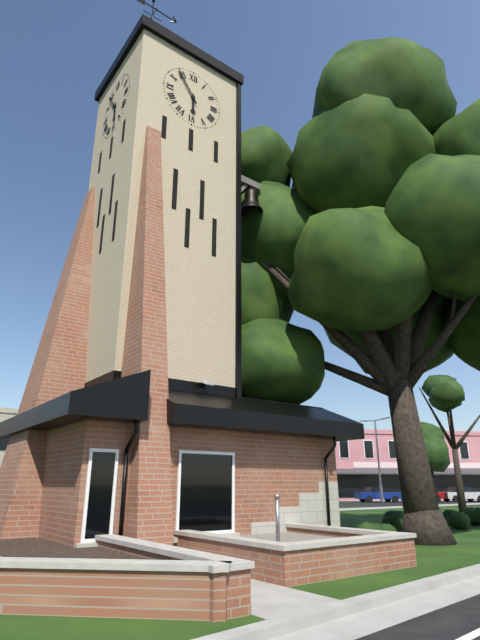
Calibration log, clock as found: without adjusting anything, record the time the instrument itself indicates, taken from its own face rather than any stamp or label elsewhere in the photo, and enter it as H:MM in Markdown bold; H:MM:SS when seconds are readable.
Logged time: **5:54**
